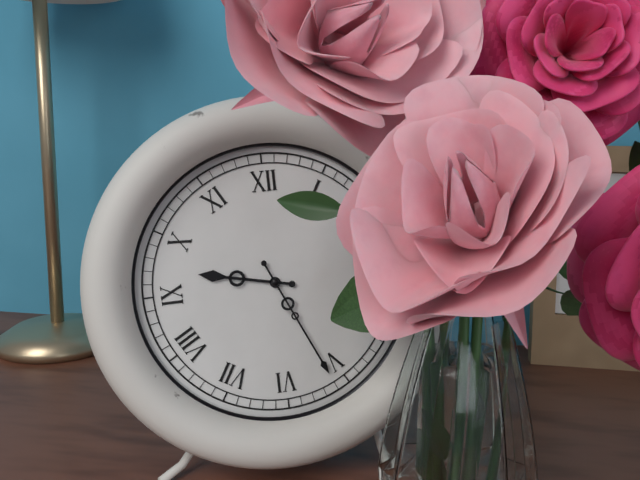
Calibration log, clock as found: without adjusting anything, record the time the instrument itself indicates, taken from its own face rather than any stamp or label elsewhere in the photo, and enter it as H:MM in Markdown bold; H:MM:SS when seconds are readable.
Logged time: **9:26**
